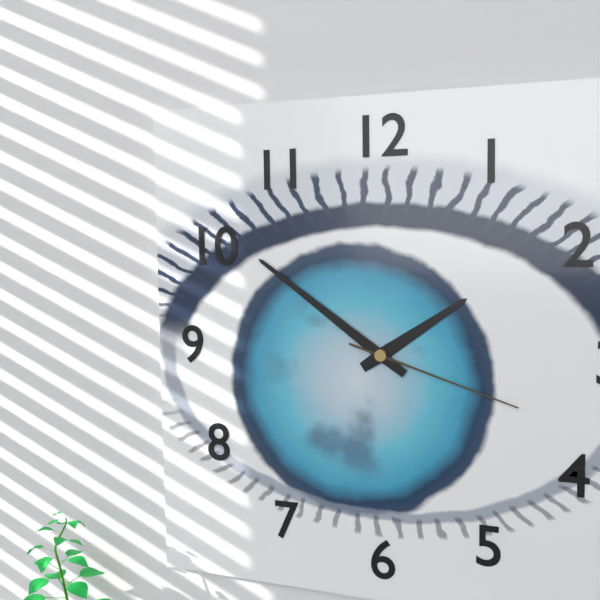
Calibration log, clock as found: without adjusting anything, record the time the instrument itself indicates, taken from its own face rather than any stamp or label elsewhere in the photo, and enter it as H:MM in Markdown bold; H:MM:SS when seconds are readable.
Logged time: **1:51:18**
